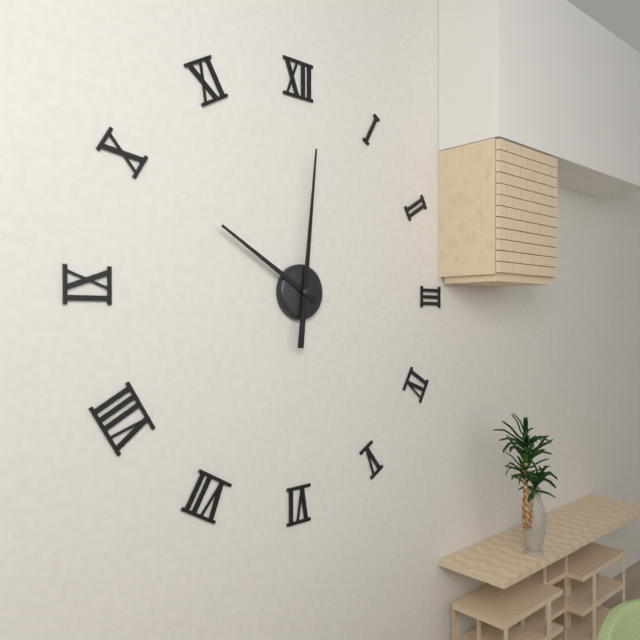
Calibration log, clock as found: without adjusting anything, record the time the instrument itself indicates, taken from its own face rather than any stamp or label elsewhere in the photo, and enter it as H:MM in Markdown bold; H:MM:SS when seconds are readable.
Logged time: **10:01**
